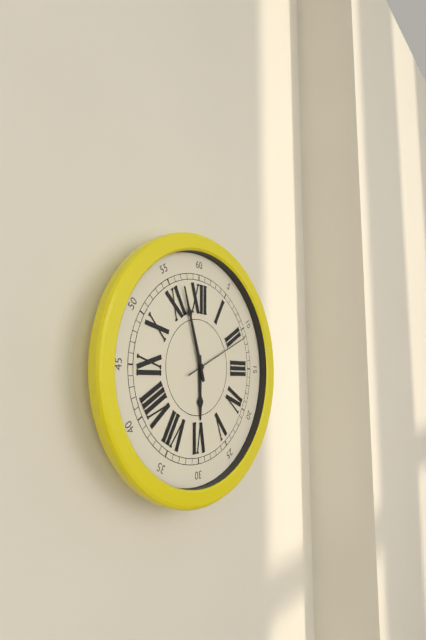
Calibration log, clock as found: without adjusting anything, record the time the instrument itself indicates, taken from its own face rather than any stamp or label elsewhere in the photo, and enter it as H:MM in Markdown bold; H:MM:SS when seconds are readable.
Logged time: **5:57:11**
